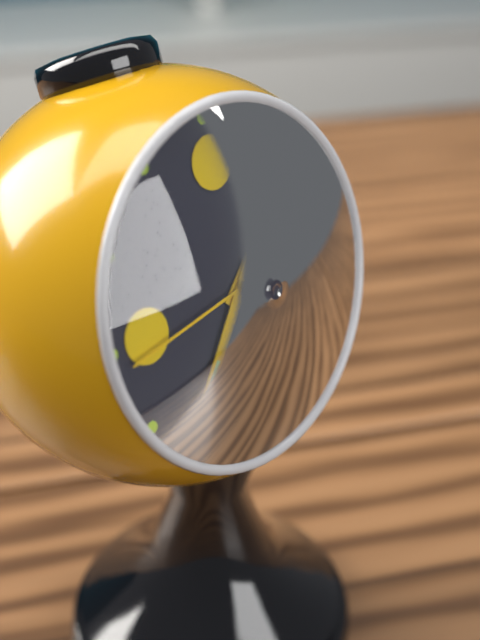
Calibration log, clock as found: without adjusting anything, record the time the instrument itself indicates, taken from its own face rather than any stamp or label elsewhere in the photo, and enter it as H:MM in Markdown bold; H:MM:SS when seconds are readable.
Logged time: **1:37:44**
